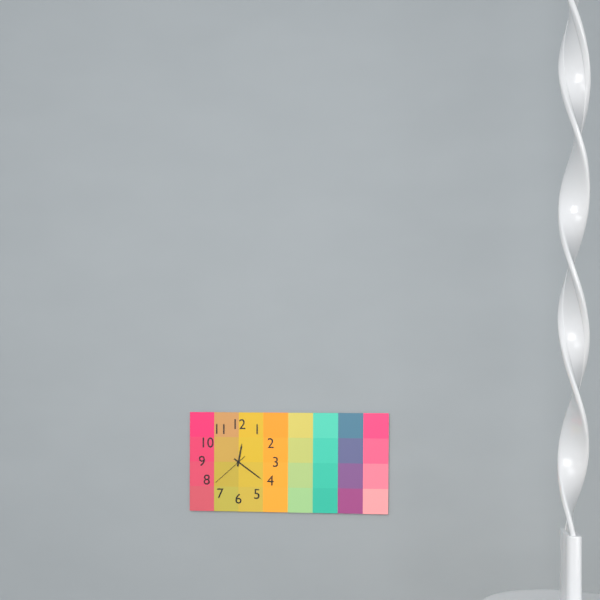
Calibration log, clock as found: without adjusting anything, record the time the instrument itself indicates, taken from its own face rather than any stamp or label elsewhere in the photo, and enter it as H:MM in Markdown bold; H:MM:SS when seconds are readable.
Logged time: **12:21**
